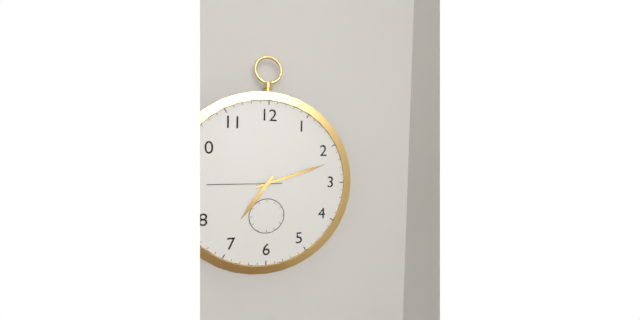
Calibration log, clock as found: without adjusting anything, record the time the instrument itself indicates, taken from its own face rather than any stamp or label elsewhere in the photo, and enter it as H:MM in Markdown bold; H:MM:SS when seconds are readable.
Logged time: **7:12:45**
